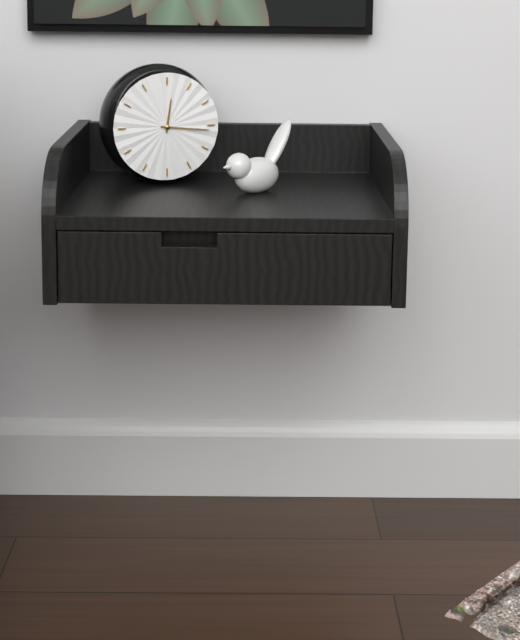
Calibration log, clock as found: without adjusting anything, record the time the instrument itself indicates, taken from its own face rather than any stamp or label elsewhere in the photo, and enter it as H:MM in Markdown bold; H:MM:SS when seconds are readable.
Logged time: **12:16**
